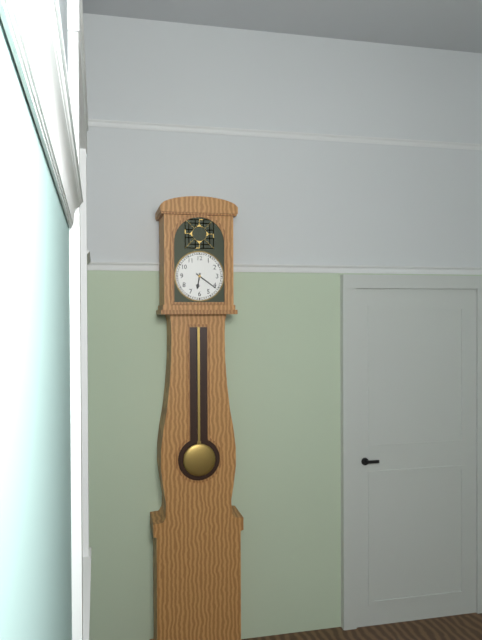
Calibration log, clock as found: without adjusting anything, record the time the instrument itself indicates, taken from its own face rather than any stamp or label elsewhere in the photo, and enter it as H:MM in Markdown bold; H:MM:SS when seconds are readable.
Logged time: **6:21**
